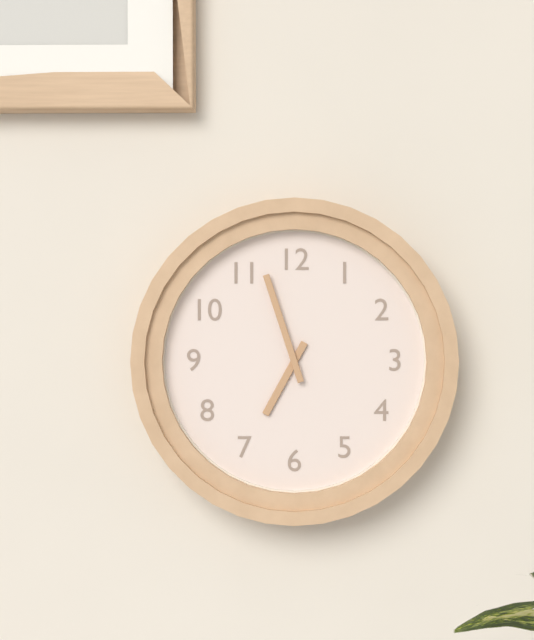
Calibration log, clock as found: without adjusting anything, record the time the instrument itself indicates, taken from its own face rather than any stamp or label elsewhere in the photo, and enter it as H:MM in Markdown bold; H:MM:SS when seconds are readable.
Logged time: **6:57**
